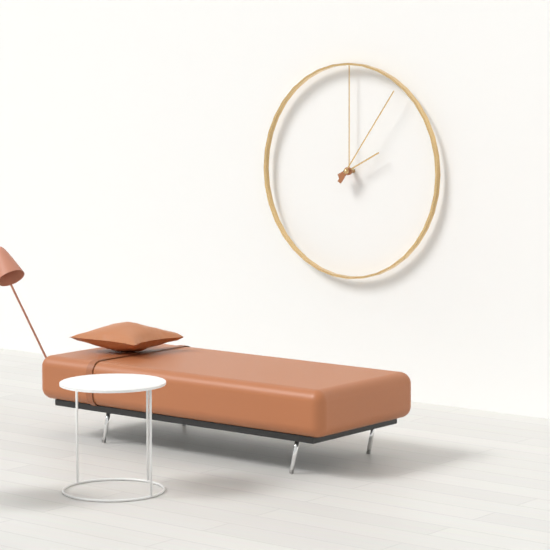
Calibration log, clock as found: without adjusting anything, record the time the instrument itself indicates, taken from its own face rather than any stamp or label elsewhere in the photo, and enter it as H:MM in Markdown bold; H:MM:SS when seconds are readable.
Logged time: **2:06**
